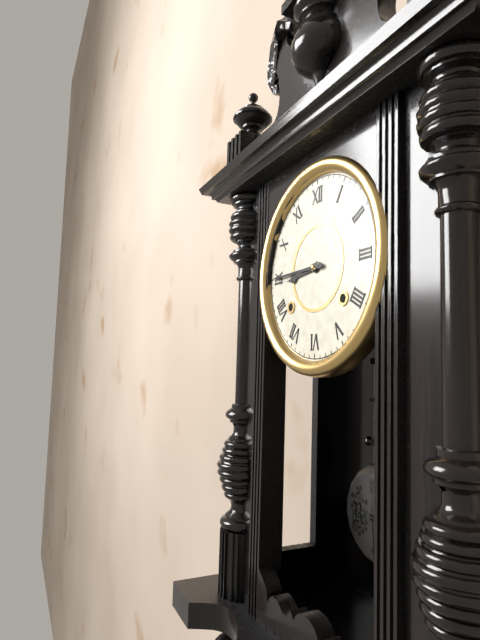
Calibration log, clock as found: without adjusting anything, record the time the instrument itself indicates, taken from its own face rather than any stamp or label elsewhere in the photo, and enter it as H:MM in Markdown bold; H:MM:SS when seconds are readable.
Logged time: **8:45**
